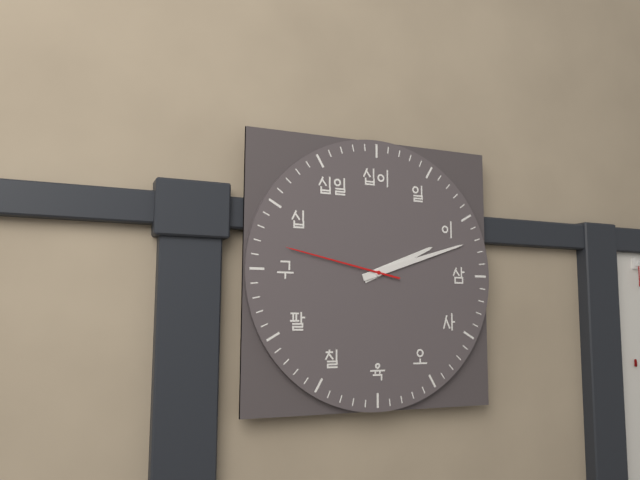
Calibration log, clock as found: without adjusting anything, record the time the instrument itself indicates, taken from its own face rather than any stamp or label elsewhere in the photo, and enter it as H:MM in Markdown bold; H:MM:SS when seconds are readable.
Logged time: **2:12:47**
